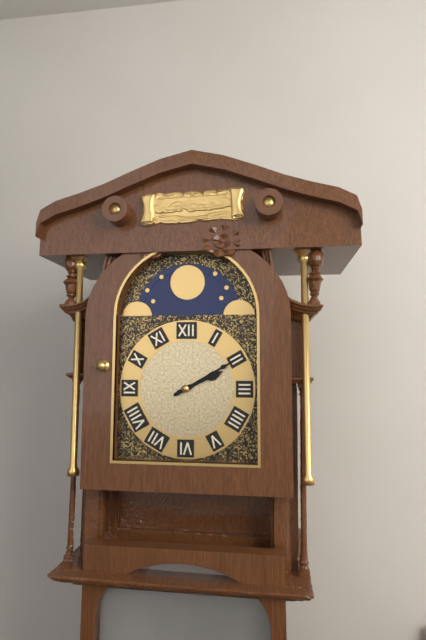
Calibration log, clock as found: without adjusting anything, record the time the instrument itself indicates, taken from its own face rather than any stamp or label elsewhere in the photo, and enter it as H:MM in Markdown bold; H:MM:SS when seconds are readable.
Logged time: **2:10**
